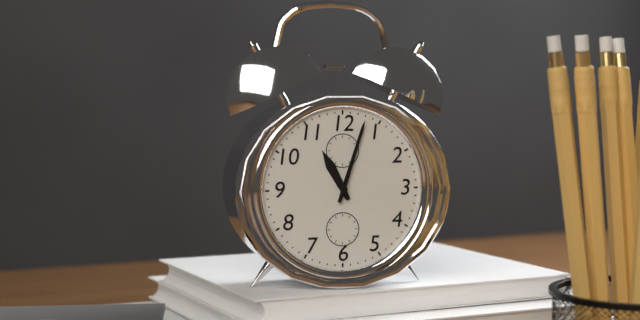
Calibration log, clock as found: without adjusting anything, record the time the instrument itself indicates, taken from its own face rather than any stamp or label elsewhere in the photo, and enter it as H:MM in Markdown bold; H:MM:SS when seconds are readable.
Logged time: **11:03**
